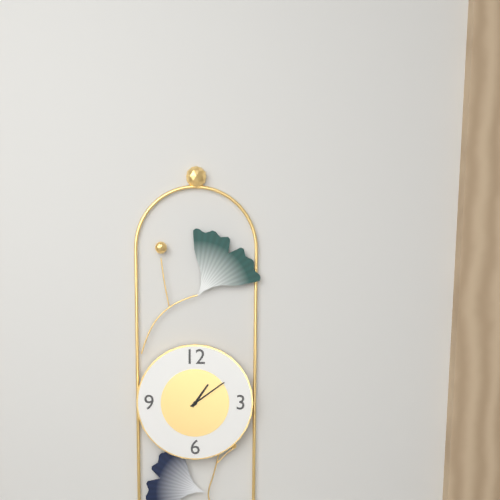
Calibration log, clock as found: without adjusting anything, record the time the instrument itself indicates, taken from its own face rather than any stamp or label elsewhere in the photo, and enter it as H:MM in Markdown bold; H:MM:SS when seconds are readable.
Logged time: **1:09**
